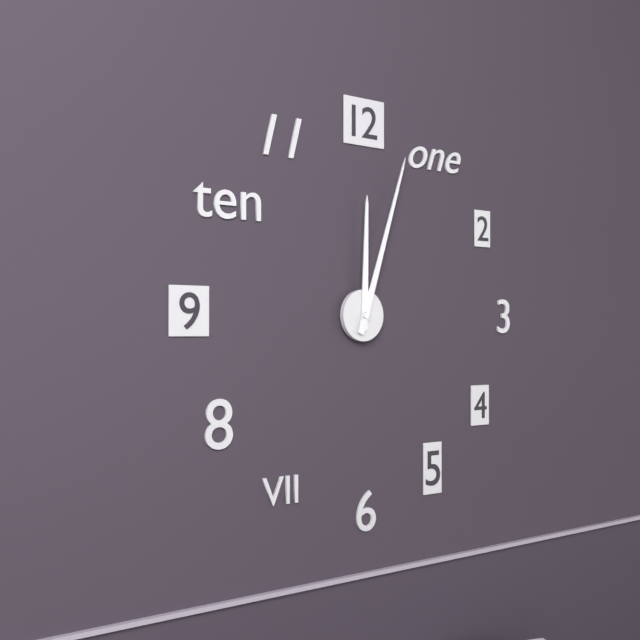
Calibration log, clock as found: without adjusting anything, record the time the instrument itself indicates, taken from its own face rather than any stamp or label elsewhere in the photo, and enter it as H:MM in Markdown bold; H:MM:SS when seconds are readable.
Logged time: **12:03**
